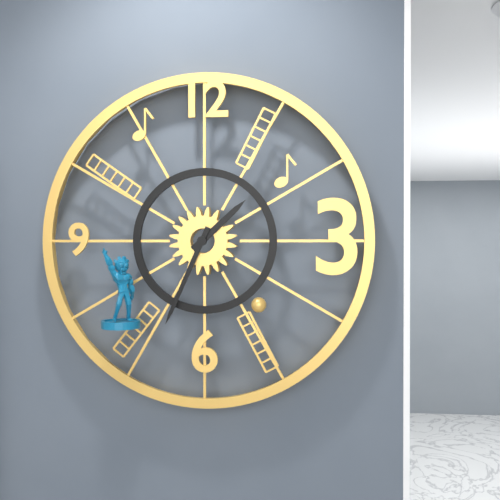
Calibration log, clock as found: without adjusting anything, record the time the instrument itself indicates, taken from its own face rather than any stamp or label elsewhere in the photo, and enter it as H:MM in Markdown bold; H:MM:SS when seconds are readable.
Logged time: **1:34**
